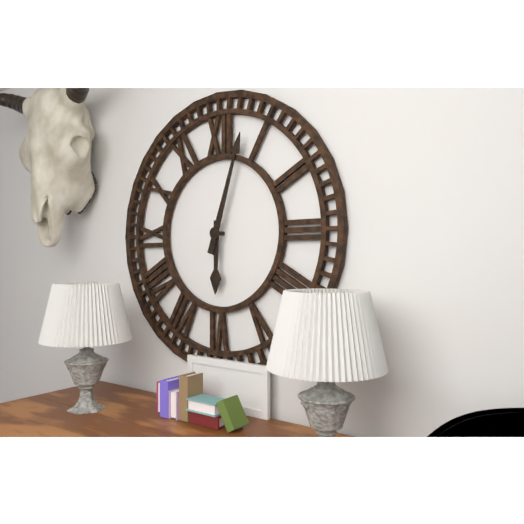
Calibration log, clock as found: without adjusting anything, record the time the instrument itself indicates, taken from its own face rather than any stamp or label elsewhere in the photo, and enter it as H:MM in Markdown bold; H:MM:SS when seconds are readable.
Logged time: **6:03**
